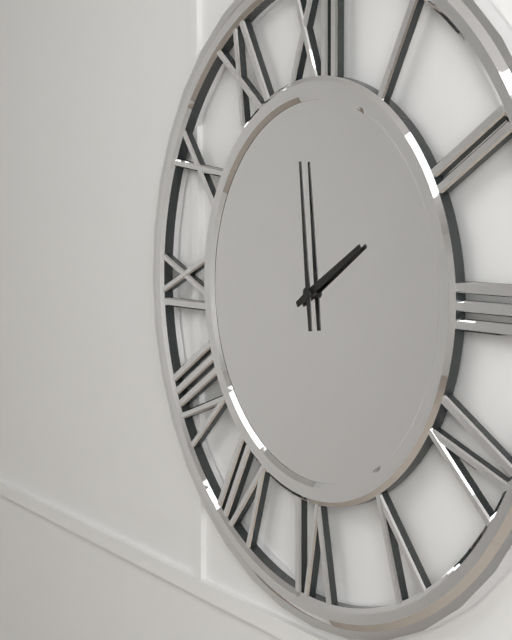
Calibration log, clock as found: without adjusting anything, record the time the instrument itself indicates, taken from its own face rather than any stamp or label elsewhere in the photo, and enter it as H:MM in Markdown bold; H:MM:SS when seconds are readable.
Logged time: **1:59**
